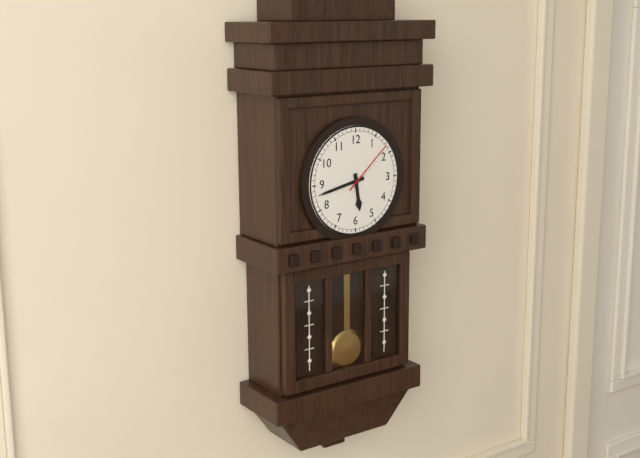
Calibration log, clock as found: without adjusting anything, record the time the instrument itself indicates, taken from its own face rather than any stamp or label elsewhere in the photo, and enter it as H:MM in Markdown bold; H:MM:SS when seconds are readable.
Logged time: **5:43:08**
